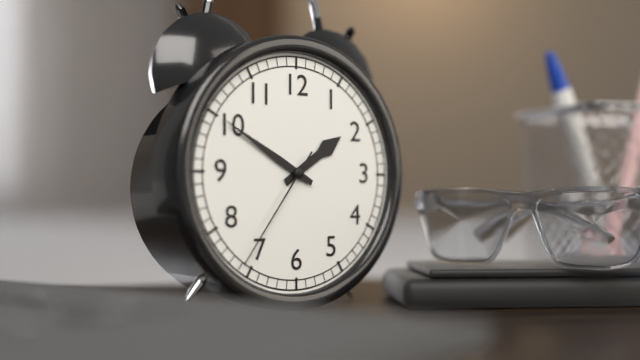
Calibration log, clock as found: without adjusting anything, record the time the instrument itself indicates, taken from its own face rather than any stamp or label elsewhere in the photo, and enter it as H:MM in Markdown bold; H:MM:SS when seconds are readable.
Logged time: **1:50:36**
